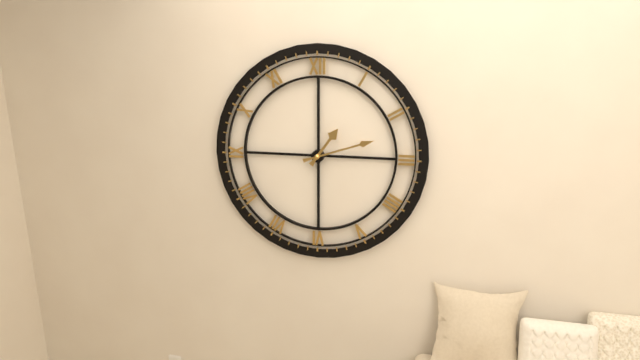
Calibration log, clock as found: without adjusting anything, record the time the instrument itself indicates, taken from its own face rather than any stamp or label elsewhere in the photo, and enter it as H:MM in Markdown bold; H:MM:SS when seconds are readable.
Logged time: **1:12**
